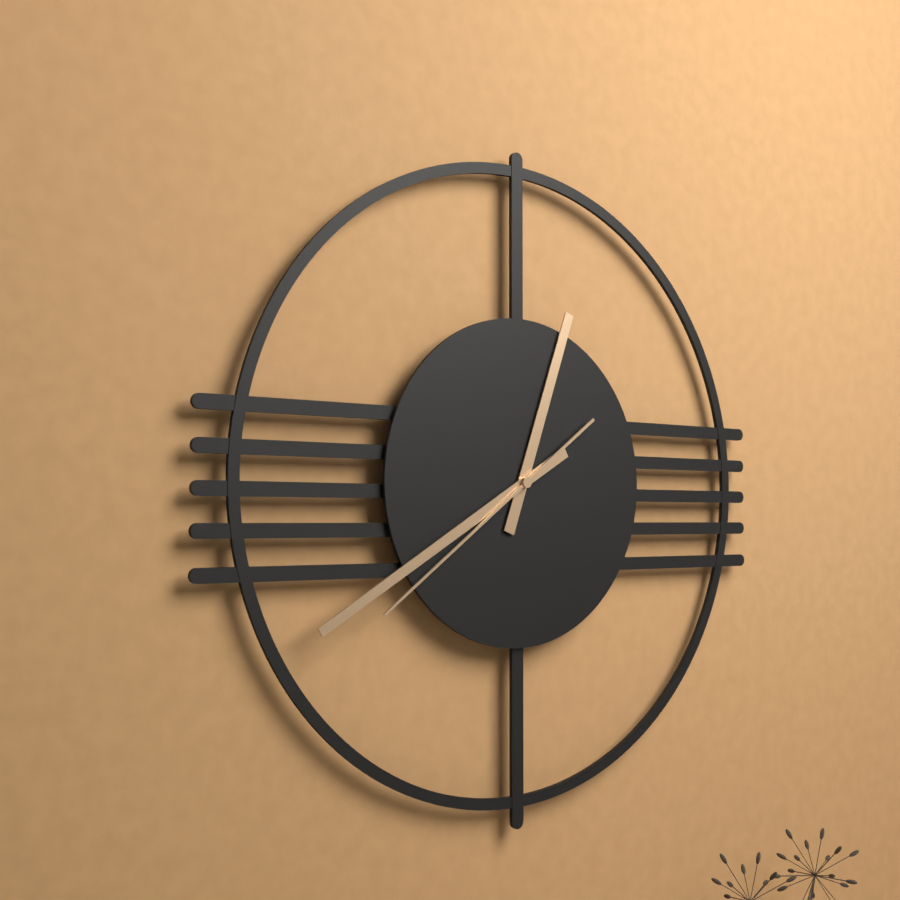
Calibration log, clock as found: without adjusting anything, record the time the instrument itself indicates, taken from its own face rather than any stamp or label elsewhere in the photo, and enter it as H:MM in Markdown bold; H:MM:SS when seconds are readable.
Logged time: **12:40:39**
